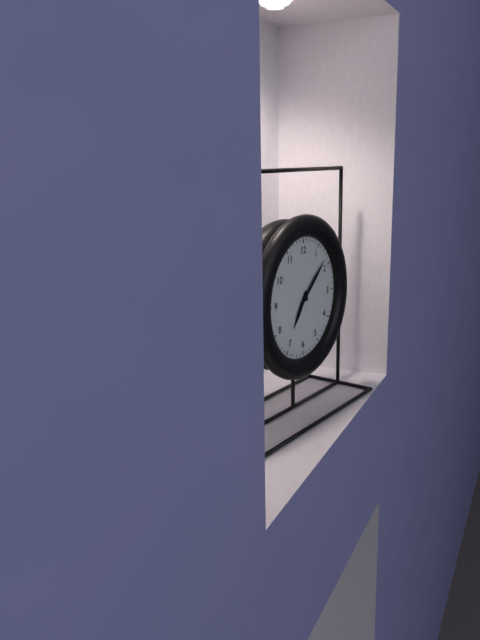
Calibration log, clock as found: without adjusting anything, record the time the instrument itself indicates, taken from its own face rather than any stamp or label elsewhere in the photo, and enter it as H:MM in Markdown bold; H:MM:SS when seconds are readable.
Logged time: **7:08**
